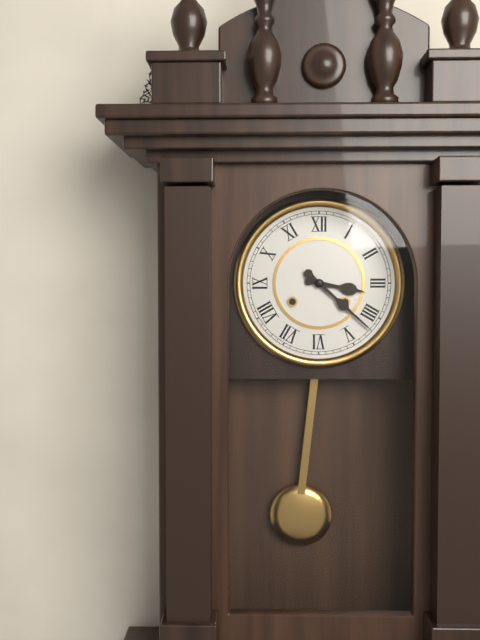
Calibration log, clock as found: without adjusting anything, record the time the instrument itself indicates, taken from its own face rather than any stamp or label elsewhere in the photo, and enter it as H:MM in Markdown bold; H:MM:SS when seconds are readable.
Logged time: **3:22**
